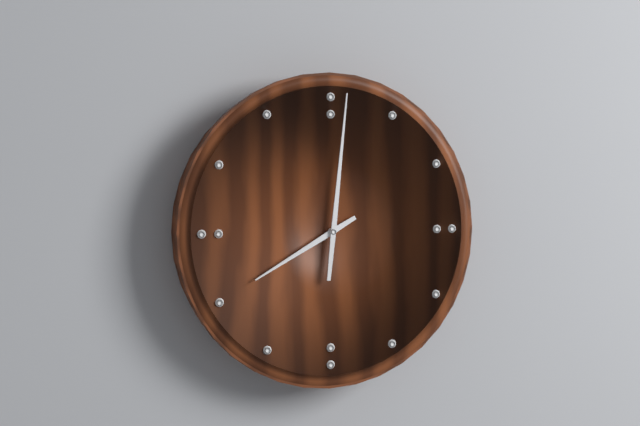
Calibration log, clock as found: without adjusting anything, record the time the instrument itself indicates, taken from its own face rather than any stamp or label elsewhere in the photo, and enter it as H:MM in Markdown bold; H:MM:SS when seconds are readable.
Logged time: **8:01**
